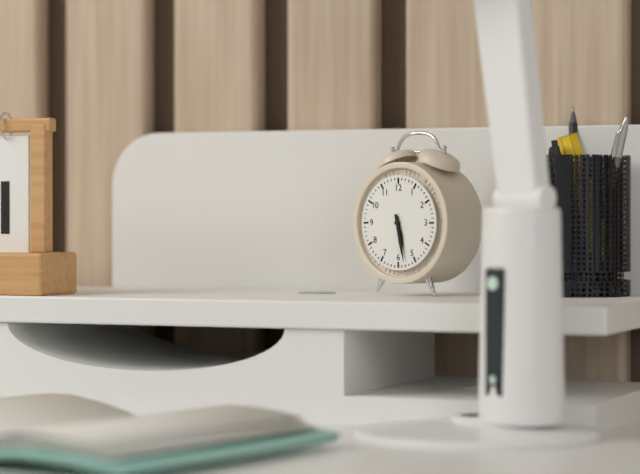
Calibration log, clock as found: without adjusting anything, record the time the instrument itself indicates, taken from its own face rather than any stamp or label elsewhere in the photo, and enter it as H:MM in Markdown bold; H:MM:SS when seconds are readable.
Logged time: **5:28**
